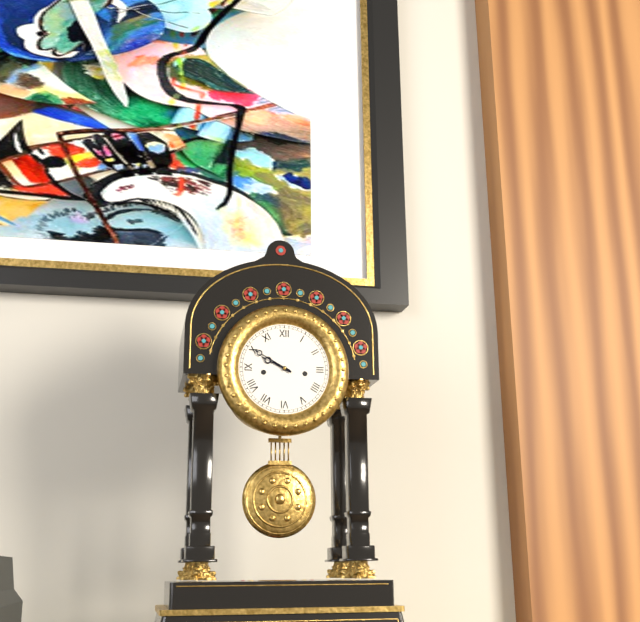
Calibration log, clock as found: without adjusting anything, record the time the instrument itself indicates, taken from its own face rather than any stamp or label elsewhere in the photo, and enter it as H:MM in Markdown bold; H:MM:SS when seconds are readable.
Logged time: **9:50**
